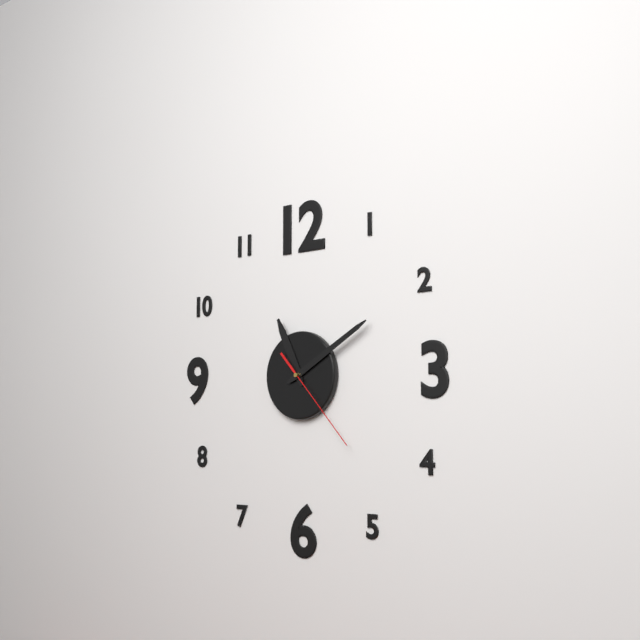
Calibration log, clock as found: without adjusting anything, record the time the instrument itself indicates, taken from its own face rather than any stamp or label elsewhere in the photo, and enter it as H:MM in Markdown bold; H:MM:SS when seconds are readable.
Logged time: **11:10:23**
